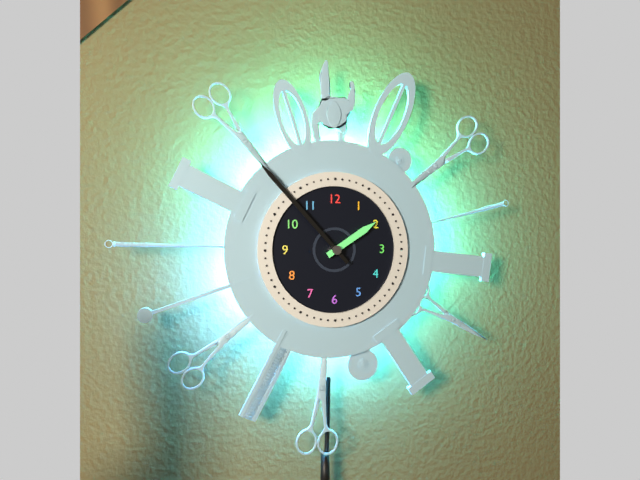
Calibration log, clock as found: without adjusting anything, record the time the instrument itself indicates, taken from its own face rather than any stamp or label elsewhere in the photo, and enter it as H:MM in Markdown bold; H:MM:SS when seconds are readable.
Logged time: **1:53**
